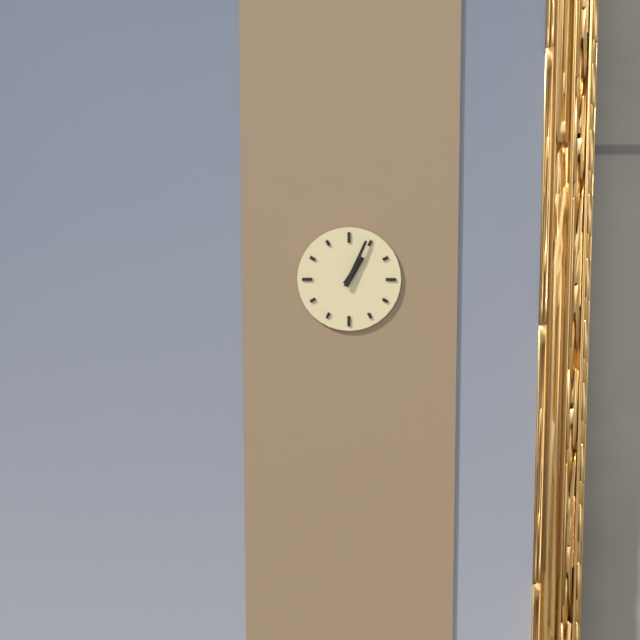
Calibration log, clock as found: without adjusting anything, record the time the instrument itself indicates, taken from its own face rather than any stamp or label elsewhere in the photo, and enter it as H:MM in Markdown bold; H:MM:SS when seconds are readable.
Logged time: **1:04**
